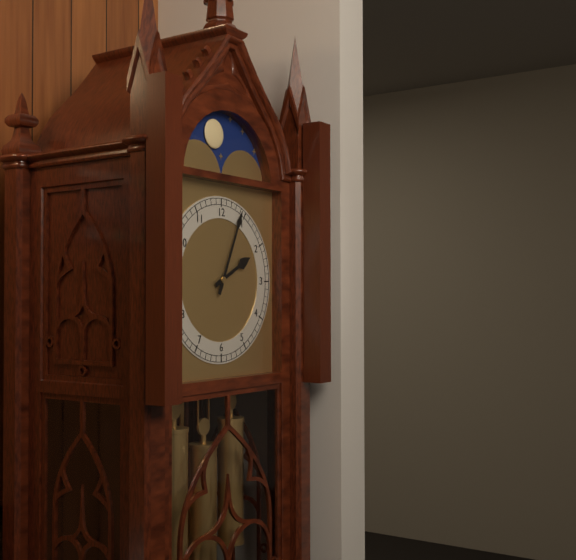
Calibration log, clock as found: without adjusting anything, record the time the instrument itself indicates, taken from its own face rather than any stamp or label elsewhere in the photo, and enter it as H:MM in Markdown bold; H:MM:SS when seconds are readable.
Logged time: **2:04**
